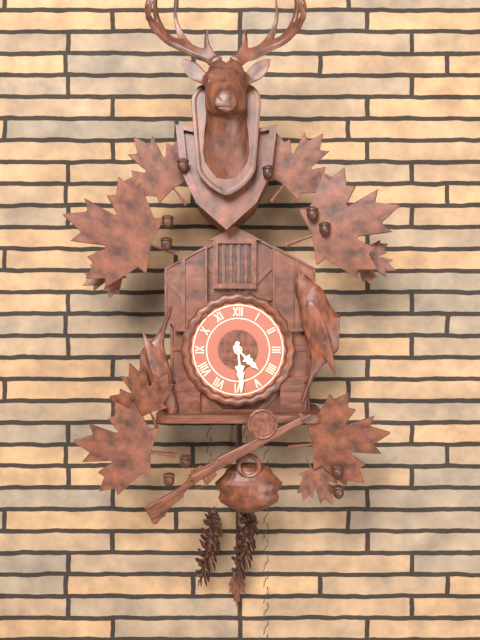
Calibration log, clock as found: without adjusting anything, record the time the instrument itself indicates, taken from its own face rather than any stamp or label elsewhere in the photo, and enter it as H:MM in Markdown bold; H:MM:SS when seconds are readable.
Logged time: **4:29**
